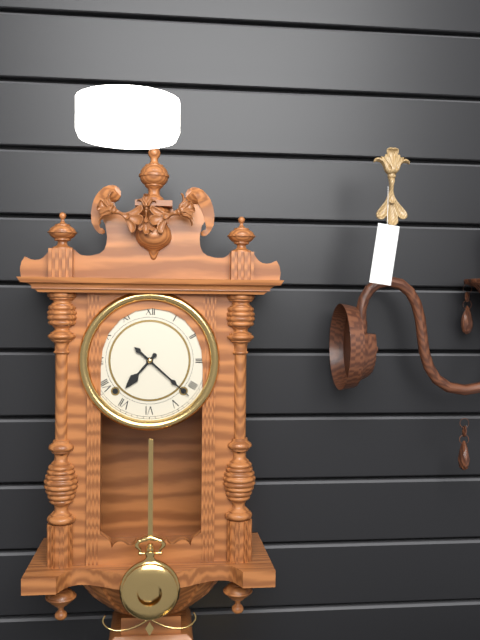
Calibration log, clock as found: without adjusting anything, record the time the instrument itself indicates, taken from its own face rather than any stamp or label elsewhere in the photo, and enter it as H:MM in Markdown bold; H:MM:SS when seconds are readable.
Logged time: **7:22**
